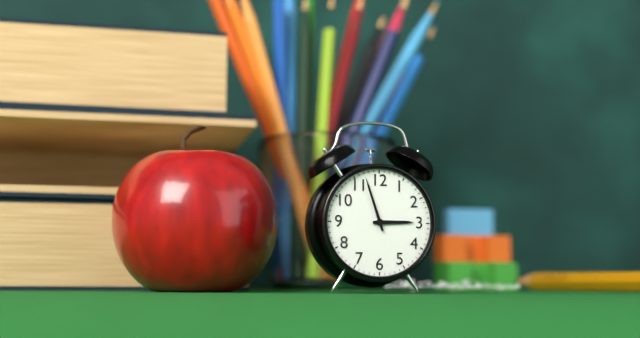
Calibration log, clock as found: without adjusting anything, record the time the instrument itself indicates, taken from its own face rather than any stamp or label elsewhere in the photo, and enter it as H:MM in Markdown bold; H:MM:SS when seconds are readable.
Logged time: **2:57**
